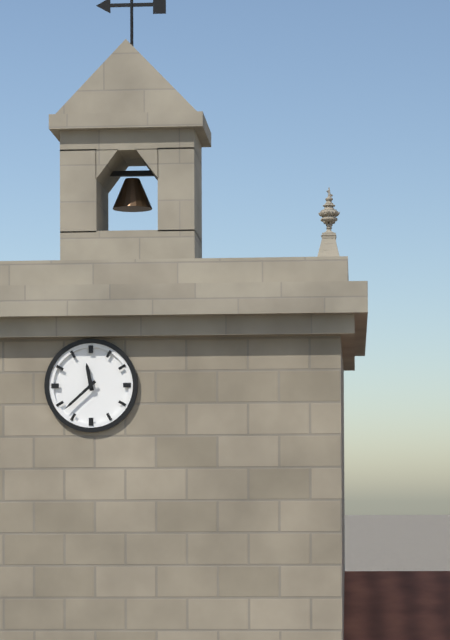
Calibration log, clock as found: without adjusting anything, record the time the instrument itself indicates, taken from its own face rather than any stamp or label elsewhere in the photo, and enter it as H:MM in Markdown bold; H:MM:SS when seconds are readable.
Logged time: **11:38**
